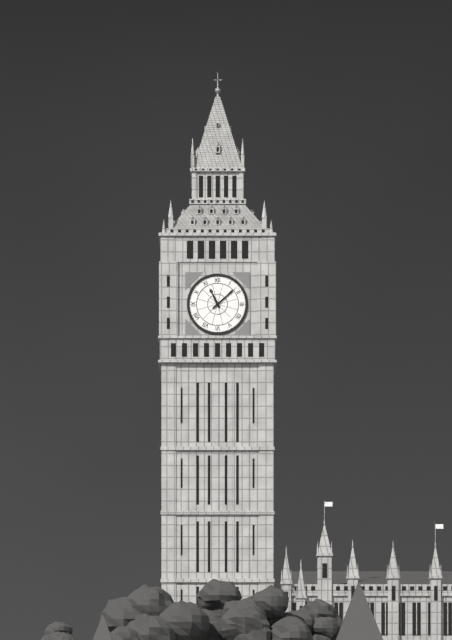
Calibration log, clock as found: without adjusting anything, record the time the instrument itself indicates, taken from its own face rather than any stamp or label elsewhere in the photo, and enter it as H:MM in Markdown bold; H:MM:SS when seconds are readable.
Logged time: **11:08**
